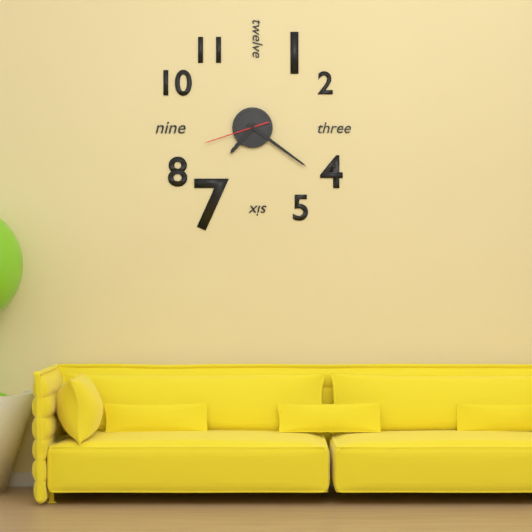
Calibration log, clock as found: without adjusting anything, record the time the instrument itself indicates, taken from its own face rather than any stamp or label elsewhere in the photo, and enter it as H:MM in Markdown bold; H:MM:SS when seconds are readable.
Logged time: **7:21:42**
